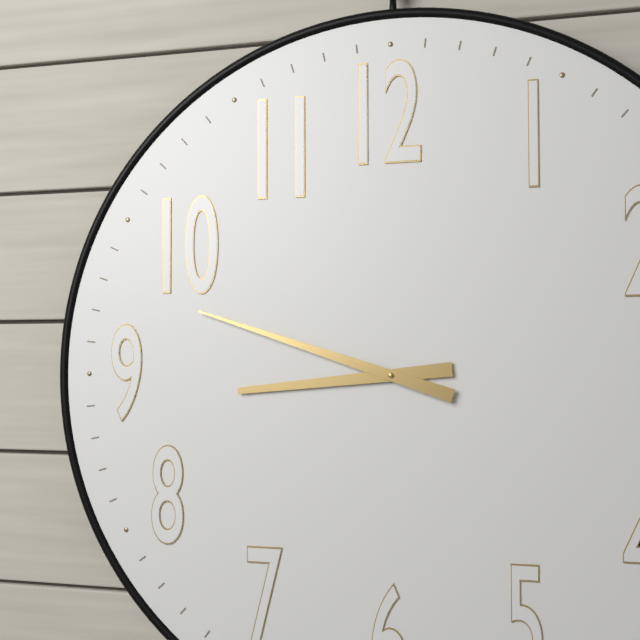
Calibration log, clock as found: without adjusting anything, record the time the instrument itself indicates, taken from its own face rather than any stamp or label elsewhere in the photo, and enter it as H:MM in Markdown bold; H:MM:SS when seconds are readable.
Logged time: **8:48**
